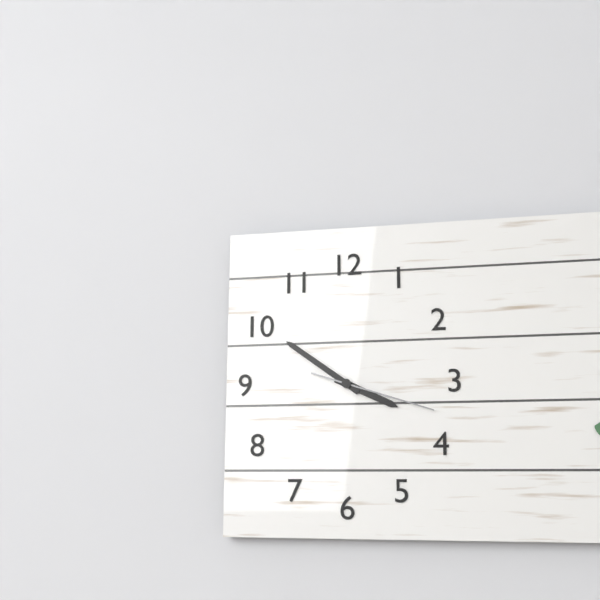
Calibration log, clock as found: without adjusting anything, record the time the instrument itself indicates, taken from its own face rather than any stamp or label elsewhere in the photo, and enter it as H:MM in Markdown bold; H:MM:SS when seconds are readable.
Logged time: **3:51:18**
